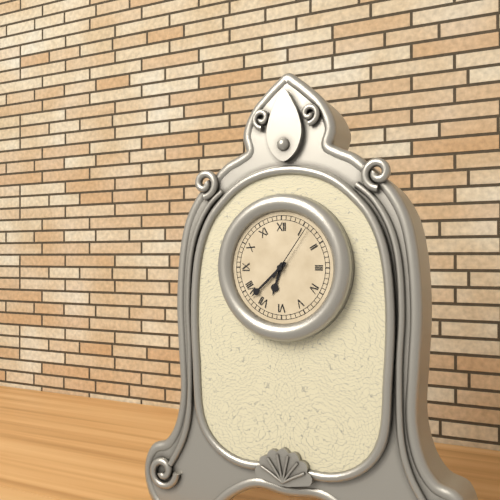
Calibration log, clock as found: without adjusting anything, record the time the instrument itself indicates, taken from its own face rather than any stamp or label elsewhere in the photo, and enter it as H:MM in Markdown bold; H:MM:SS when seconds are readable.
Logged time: **6:38:06**
